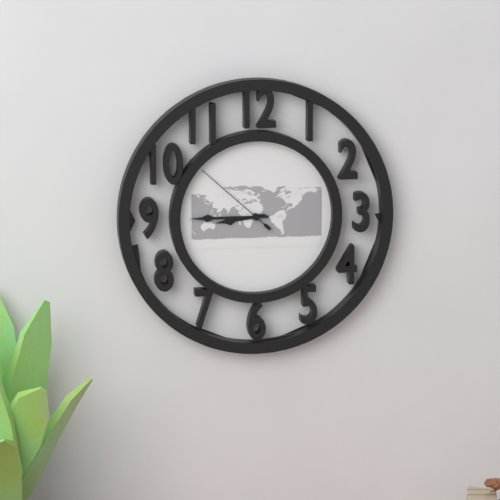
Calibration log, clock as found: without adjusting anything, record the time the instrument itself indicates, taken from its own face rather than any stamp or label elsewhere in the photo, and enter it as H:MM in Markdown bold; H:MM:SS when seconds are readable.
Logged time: **8:45:52**
